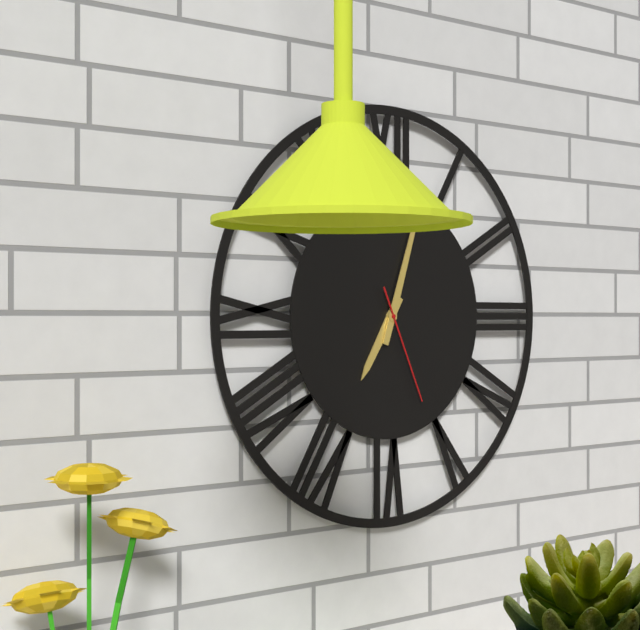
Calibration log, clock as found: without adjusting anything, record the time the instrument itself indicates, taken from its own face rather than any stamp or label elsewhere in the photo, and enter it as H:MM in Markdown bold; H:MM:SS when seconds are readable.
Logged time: **7:03:26**
